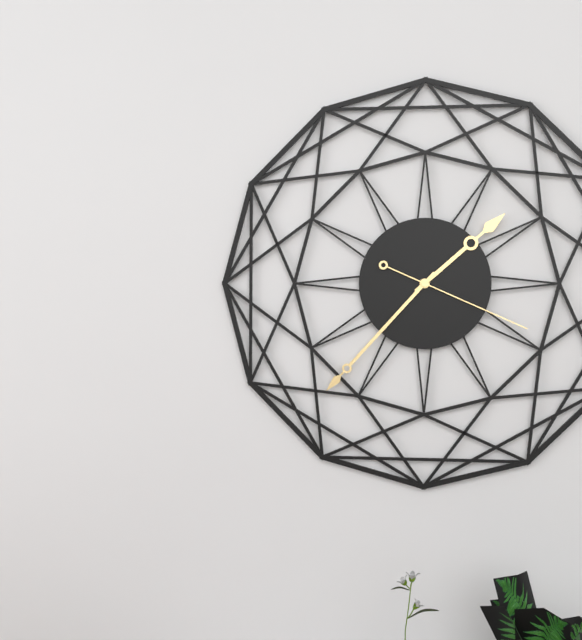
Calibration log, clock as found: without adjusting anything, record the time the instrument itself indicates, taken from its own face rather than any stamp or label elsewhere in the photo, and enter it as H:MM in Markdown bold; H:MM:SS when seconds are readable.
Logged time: **1:37:19**
